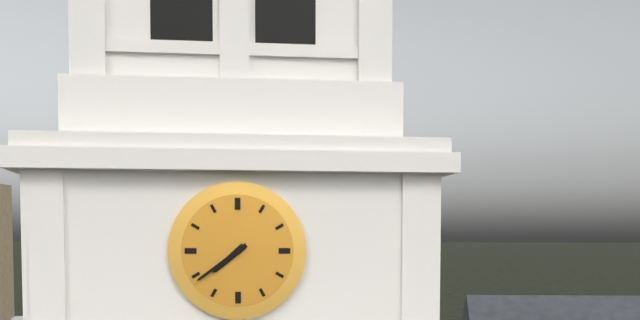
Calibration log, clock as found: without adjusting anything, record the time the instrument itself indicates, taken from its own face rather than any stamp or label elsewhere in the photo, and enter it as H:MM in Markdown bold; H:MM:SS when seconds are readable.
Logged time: **7:39**
